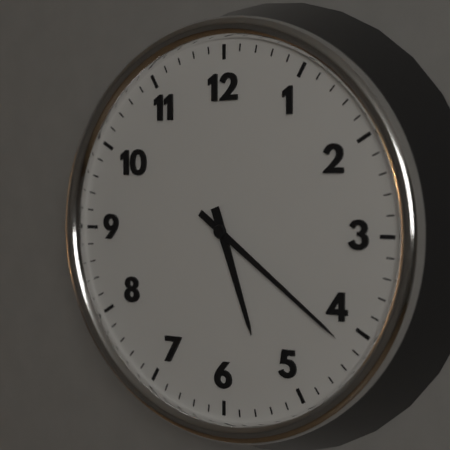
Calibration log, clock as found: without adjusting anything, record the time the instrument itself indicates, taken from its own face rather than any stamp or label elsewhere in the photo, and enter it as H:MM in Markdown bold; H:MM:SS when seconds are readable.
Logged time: **5:21**
